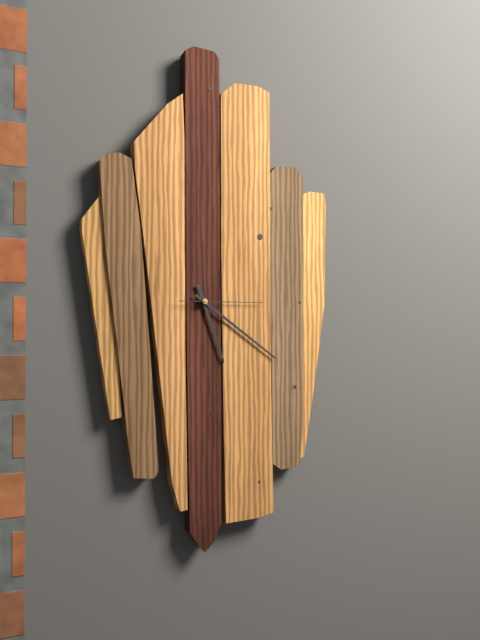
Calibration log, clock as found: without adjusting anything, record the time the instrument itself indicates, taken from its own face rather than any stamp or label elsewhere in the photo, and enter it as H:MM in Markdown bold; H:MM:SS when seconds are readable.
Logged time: **5:21:15**
